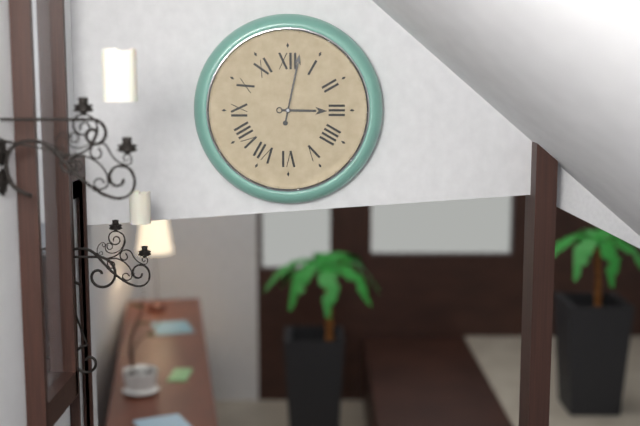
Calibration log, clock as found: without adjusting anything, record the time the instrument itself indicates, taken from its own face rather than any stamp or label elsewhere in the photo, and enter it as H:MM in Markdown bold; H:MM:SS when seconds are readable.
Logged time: **3:02**
